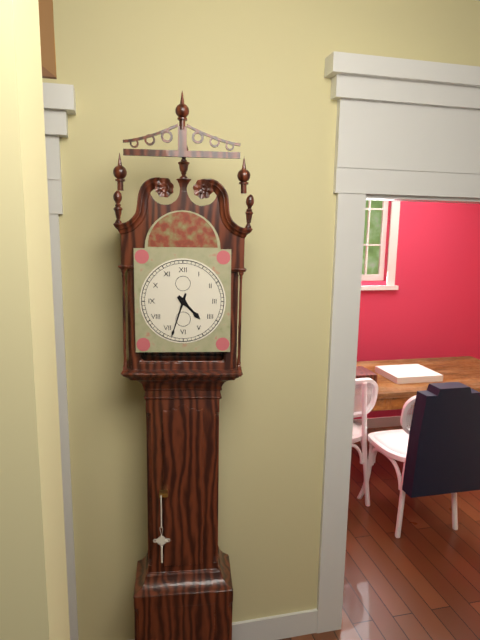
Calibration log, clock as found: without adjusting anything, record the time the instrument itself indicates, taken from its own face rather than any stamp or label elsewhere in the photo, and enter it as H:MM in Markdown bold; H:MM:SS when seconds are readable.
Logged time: **4:33**
